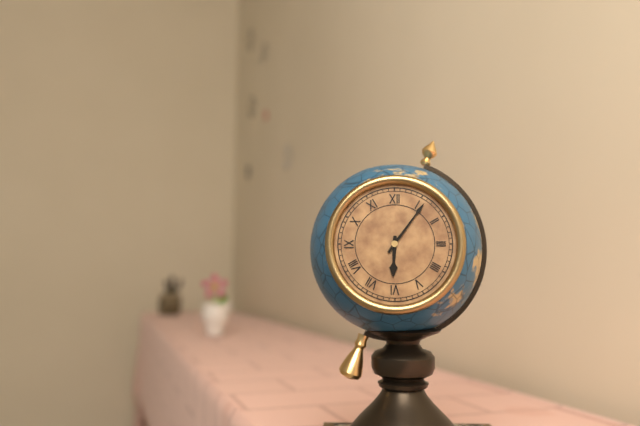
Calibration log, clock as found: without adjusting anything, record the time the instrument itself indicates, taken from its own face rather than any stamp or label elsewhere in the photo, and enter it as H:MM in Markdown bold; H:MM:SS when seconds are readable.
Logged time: **6:06**
